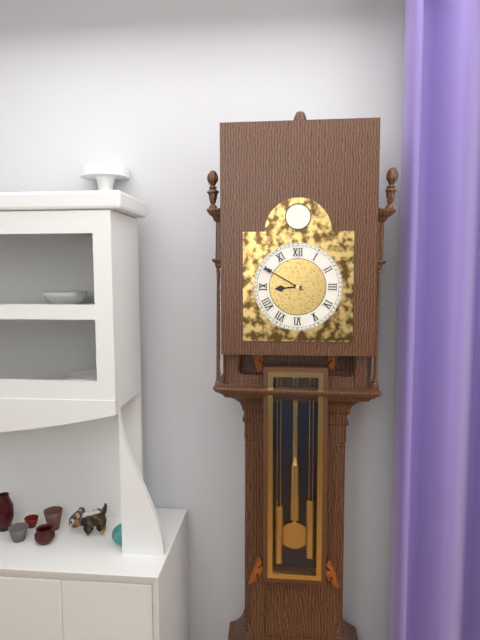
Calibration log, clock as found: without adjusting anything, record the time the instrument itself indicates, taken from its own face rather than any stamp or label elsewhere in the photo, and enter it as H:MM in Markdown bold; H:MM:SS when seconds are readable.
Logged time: **8:50**
